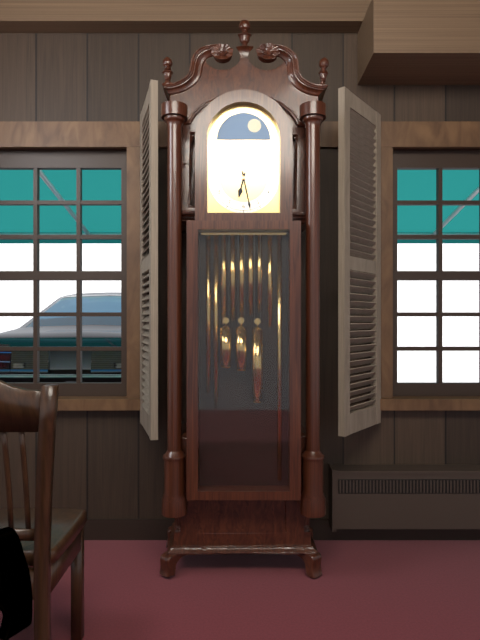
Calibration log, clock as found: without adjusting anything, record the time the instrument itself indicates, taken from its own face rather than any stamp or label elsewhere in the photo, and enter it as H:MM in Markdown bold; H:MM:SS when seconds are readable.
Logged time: **6:28**
